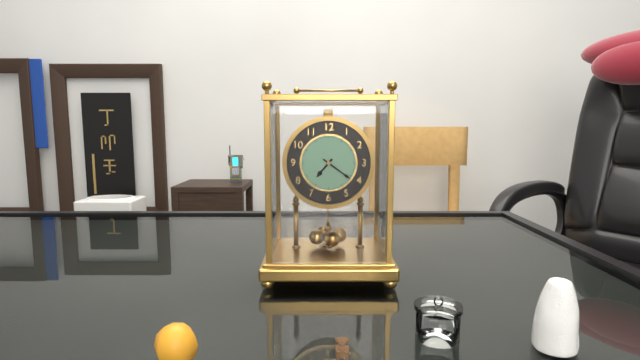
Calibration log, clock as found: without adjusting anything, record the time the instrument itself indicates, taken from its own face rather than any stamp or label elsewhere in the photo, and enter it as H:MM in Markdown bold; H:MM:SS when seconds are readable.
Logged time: **7:21**
